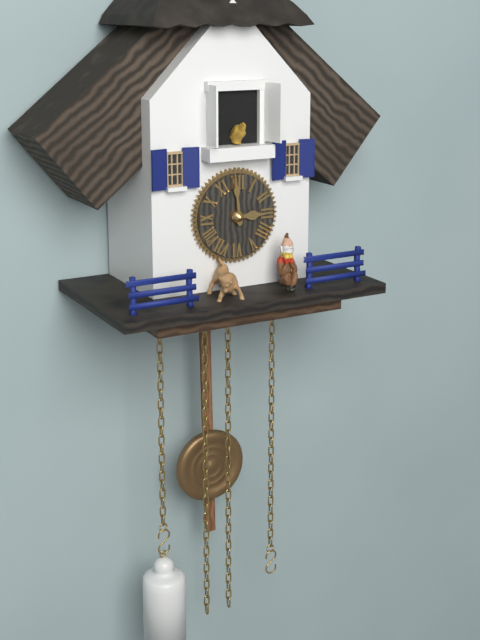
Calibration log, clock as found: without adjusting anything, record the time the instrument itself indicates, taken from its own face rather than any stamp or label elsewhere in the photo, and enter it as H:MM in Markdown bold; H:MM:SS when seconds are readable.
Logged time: **2:59**
